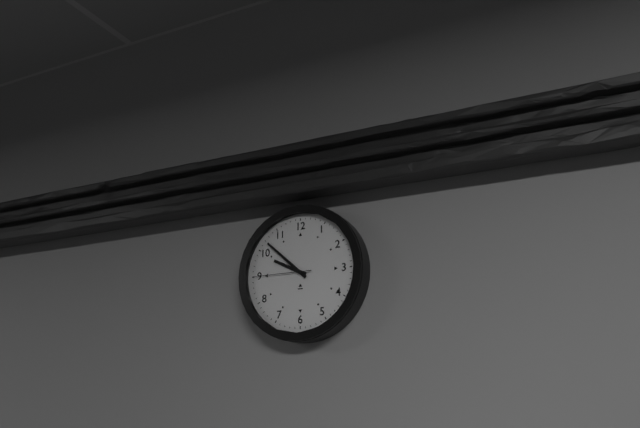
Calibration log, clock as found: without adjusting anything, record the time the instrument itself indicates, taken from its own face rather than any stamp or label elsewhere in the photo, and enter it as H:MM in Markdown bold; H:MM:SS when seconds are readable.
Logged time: **9:52:45**
